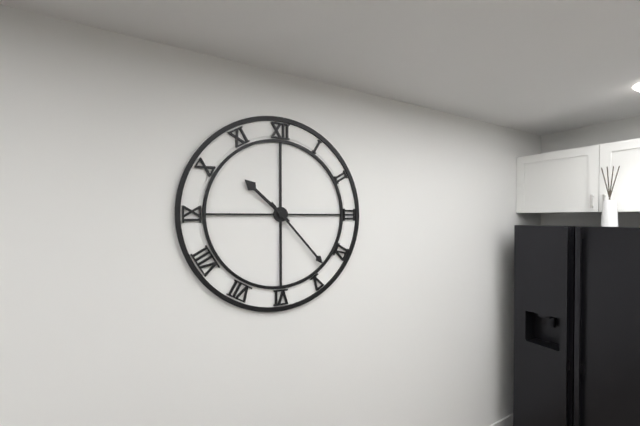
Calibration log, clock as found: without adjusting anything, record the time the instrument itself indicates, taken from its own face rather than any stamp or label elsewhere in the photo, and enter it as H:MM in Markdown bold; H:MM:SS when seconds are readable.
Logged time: **10:23**
